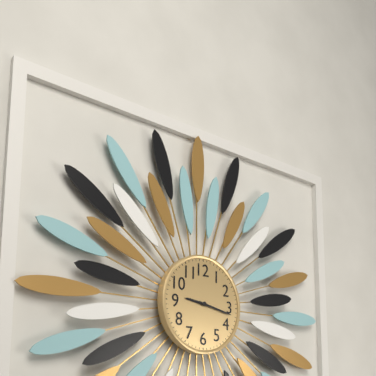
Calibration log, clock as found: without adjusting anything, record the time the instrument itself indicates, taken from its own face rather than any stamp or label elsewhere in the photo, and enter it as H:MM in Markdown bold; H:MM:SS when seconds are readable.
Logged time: **9:17**
